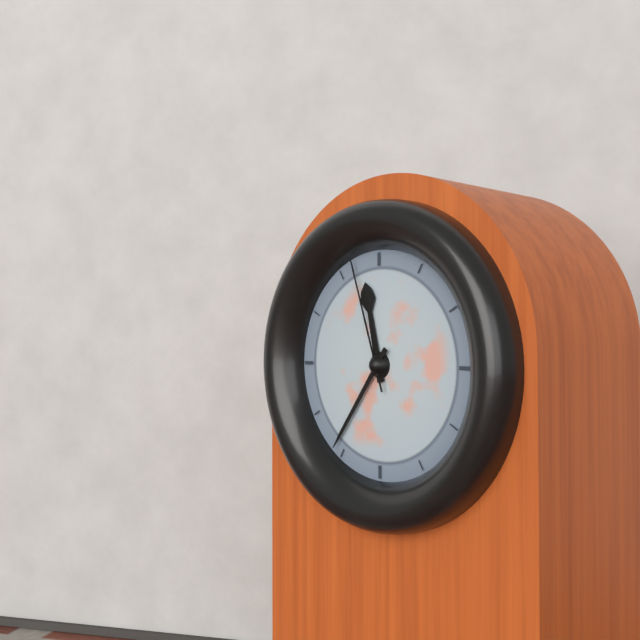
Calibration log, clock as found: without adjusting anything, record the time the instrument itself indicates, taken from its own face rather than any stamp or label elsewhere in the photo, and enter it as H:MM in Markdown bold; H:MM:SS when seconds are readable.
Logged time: **11:36:57**
